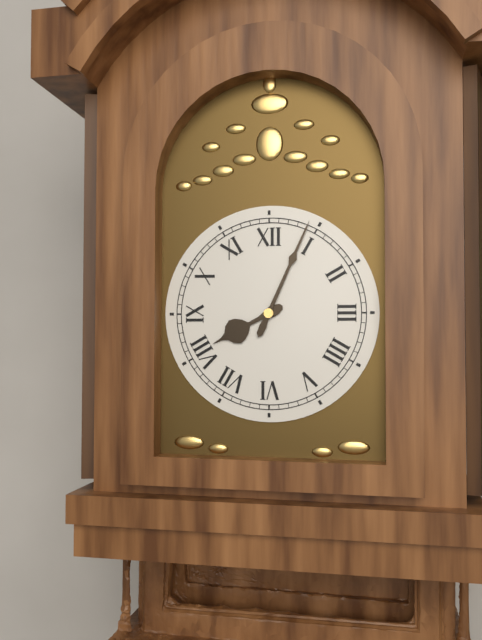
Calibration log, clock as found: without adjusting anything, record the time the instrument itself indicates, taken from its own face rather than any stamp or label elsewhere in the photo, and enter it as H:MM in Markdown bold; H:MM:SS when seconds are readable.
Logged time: **8:04**
